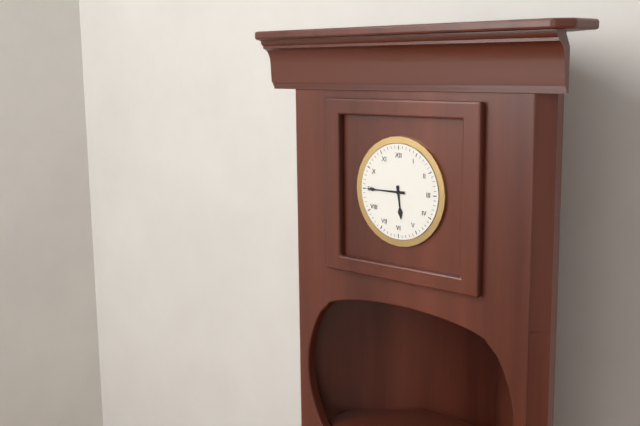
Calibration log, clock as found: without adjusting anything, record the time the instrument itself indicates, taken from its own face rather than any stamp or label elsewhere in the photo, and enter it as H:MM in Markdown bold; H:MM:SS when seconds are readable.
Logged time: **5:45**
